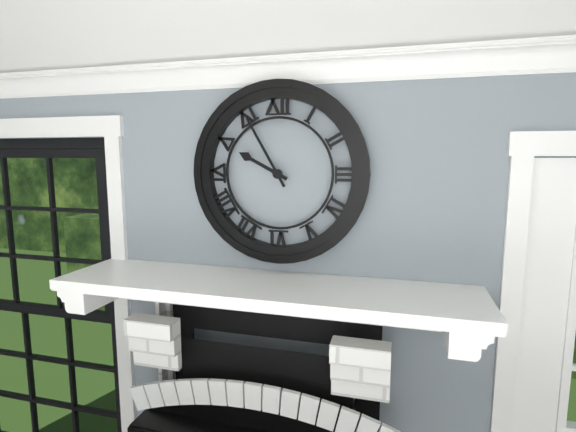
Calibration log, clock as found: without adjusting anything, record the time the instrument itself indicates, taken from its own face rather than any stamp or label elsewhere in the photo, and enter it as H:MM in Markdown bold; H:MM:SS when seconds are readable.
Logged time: **9:55**
